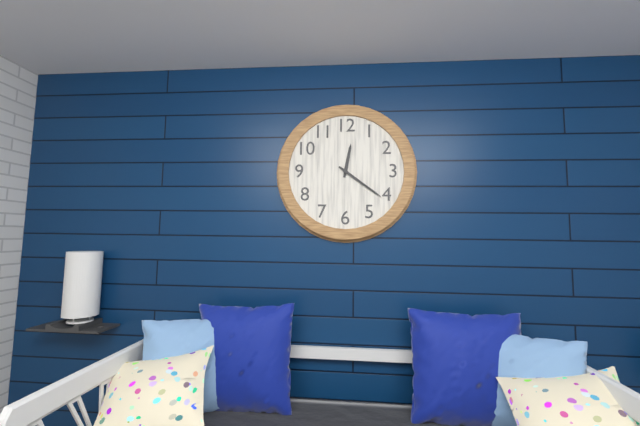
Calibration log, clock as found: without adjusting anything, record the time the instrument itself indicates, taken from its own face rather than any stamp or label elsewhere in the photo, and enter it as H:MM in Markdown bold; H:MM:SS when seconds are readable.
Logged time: **12:21**
